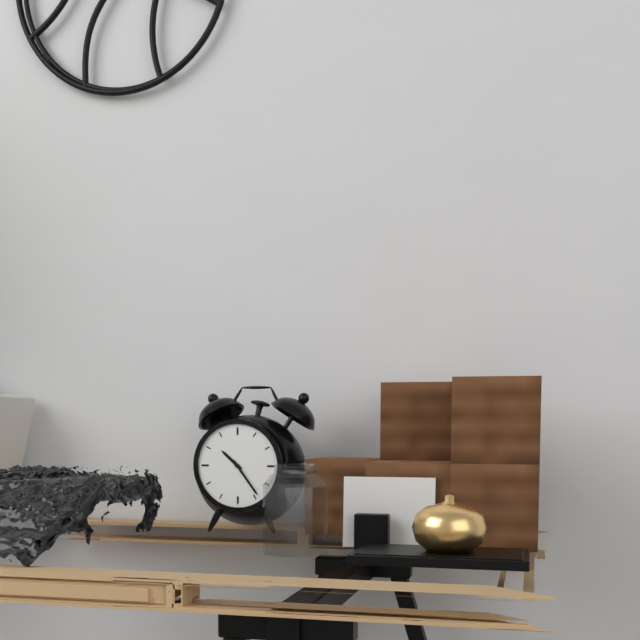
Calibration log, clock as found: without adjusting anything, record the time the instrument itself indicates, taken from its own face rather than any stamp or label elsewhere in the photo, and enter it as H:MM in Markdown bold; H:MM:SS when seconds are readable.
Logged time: **10:24**
